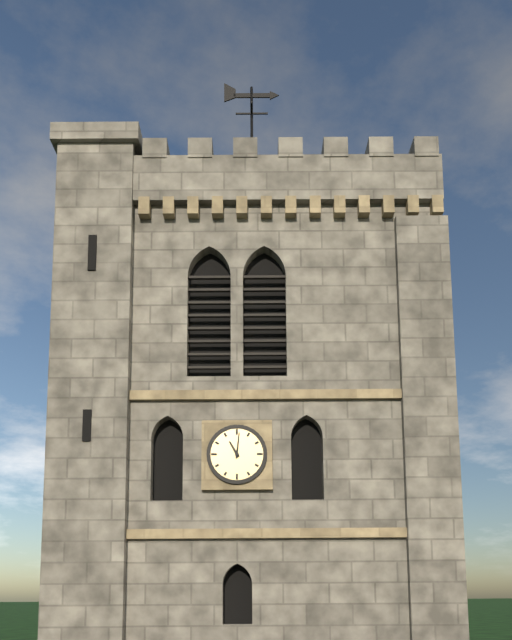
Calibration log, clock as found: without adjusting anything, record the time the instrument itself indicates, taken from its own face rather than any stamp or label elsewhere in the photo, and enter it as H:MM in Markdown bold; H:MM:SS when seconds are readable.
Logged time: **11:01**
